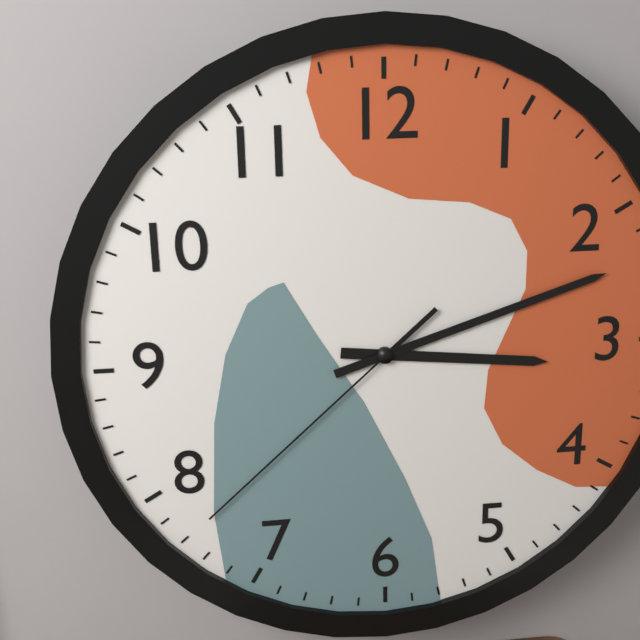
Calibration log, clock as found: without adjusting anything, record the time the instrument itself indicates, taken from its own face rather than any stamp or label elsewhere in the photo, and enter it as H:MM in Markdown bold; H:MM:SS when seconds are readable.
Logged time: **3:12:38**
